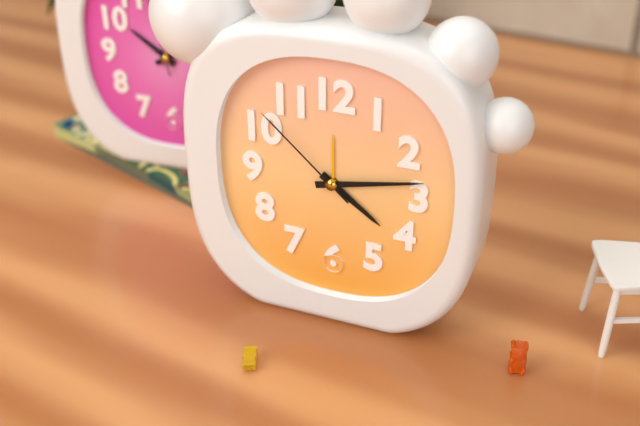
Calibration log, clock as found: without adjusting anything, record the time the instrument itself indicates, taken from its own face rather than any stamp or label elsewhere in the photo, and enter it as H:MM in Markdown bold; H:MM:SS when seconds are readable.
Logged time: **4:13:52**
